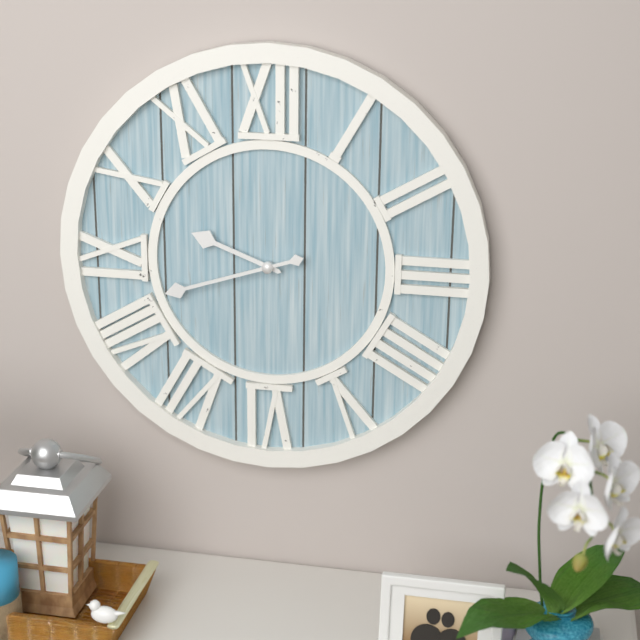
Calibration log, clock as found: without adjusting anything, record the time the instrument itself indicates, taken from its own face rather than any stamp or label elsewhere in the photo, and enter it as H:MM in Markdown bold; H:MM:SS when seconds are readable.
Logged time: **9:42**
